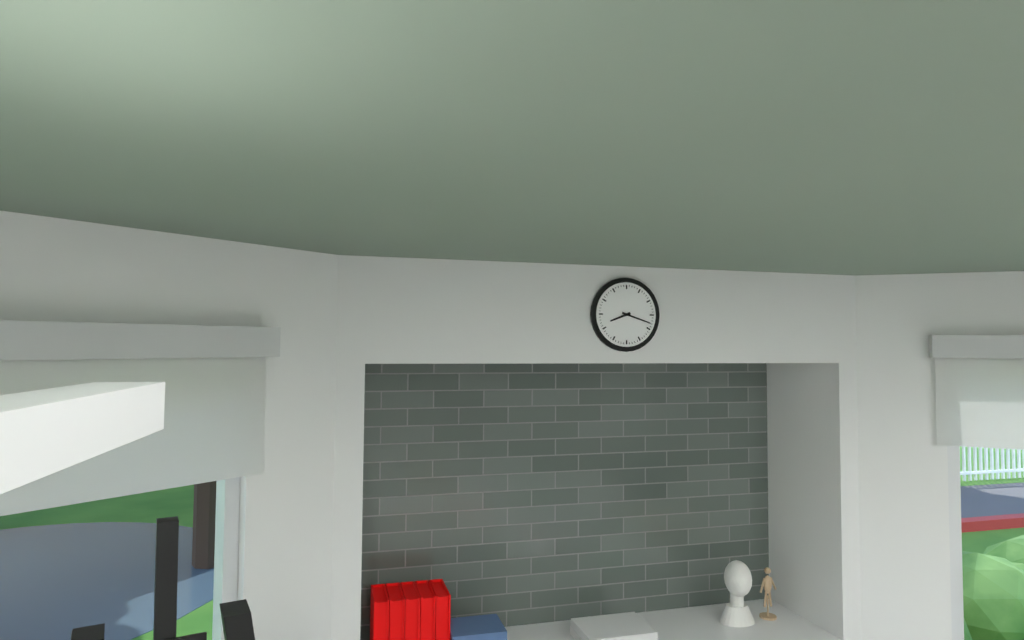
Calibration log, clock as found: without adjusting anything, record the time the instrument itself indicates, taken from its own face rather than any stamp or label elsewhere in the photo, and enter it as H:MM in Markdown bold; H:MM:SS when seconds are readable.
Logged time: **8:18**
